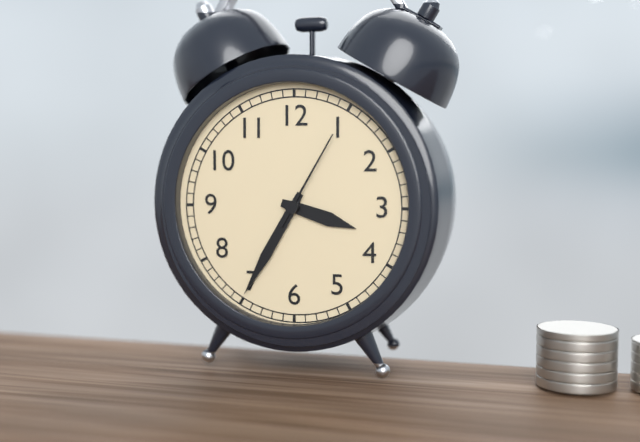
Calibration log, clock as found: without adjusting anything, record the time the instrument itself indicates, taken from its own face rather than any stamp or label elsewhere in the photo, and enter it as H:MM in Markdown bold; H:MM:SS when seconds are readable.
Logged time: **3:35:05**
